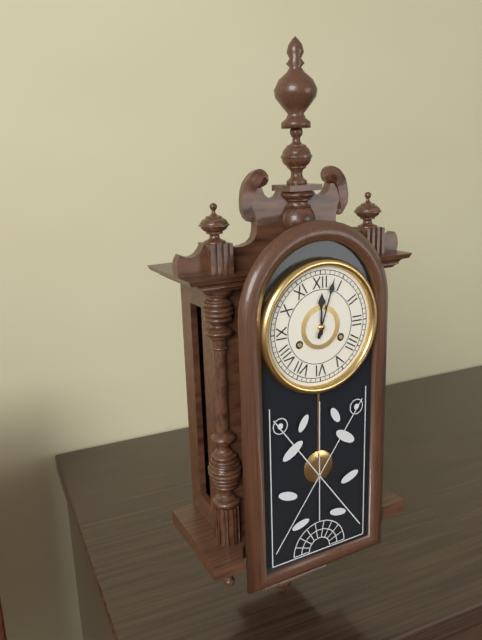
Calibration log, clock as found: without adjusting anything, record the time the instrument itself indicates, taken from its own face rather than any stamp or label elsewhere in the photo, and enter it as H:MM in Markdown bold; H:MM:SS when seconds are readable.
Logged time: **12:03**
